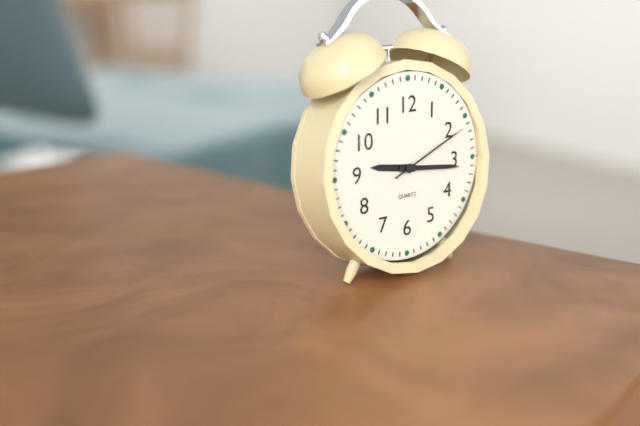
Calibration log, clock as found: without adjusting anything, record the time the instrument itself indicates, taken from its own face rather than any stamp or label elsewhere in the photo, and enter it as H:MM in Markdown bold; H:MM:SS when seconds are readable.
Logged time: **9:16:11**
